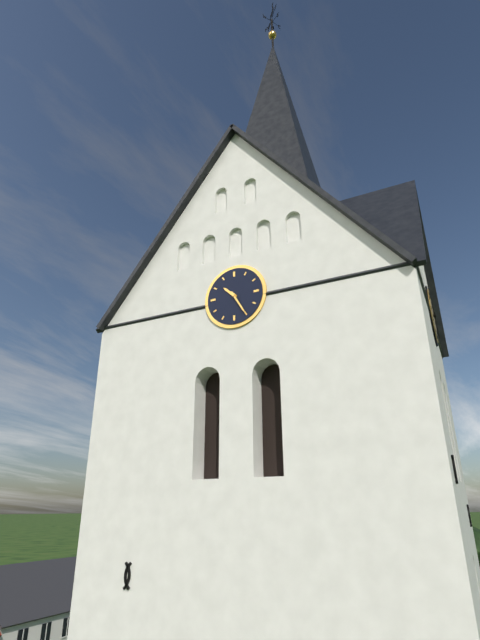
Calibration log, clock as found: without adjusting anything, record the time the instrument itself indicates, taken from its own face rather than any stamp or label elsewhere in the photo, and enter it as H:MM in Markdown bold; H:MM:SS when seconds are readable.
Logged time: **10:25**
